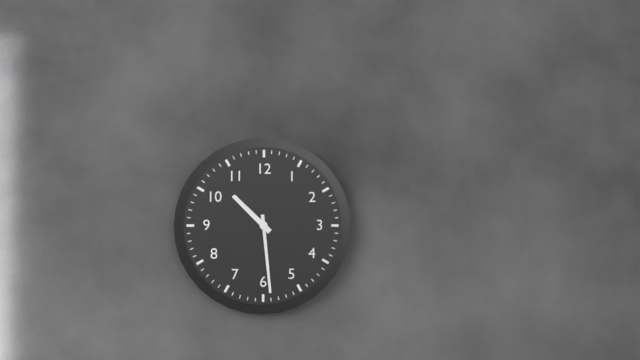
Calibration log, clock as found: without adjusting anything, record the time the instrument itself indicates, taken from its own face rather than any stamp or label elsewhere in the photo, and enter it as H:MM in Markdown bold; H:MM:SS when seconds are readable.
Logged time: **10:29**
